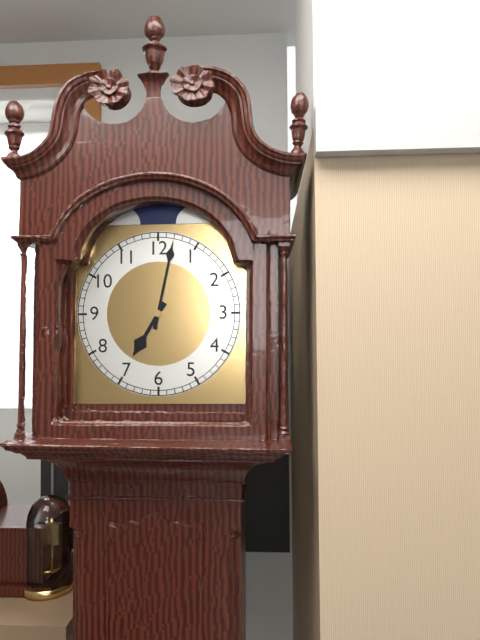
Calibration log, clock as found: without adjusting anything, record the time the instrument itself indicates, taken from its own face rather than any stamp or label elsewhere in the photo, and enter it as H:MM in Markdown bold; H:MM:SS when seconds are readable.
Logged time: **7:02**
